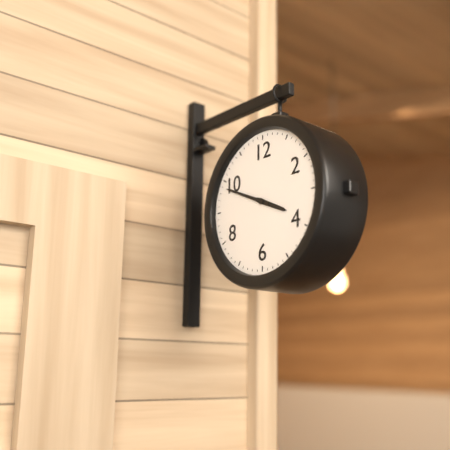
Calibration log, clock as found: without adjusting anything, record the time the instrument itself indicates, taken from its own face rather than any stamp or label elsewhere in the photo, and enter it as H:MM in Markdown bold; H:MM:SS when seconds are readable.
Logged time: **3:49**
